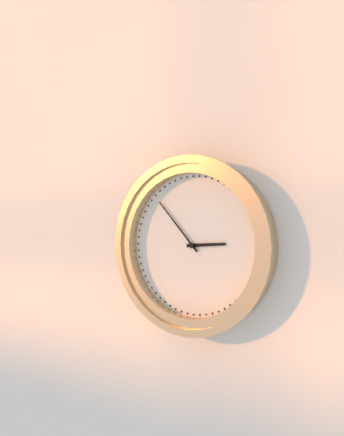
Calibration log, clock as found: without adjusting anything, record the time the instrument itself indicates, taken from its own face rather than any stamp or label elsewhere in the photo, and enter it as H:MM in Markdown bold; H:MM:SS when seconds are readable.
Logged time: **2:53**
